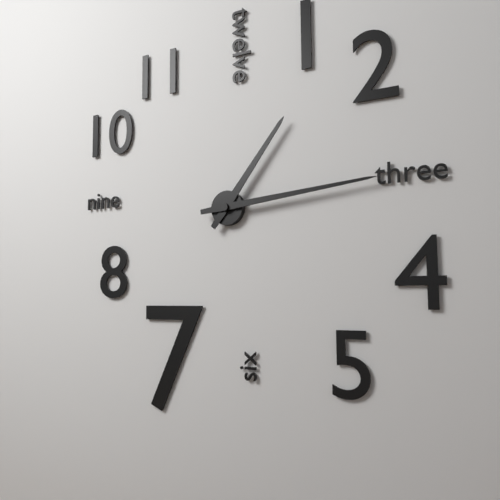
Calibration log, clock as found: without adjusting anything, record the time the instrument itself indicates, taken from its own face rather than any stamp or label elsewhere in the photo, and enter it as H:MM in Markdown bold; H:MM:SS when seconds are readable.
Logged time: **1:14**
